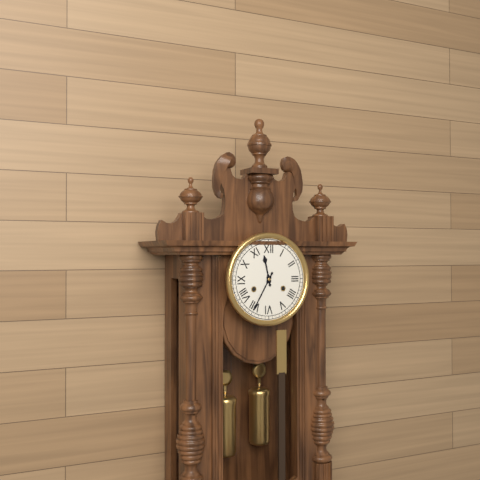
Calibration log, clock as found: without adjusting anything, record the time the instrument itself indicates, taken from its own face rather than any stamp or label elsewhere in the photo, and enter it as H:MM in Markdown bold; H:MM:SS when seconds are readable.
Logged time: **11:35**
